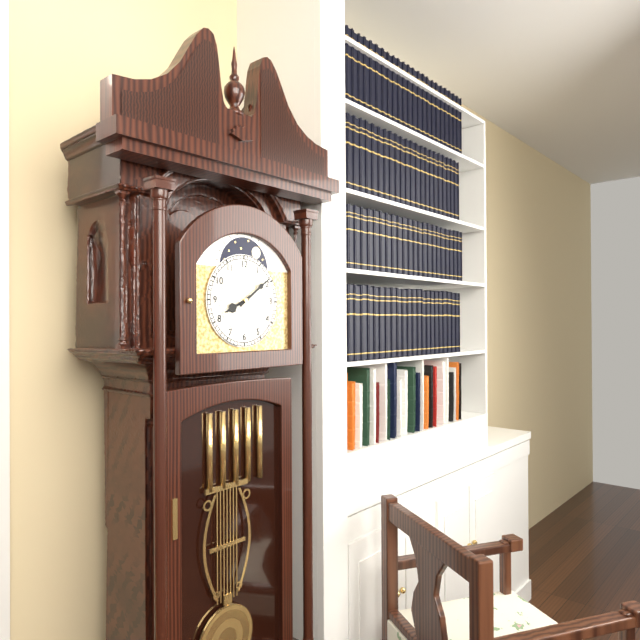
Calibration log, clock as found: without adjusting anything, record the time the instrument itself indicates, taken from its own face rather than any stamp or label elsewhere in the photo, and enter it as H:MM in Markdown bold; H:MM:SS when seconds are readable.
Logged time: **8:09**
